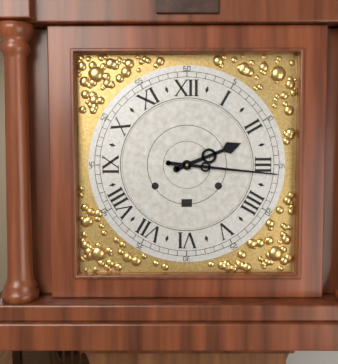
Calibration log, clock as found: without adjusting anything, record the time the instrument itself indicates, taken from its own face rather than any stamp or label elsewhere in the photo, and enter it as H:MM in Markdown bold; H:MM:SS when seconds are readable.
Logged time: **2:16**
